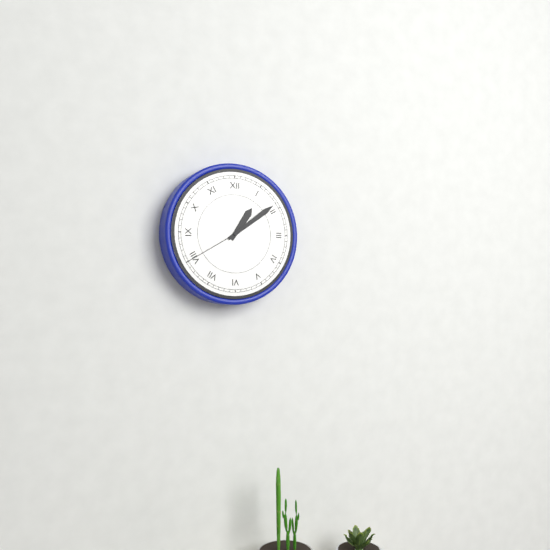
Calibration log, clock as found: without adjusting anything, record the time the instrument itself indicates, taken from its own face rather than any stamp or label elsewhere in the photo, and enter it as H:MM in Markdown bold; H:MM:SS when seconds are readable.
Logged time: **1:09:40**
